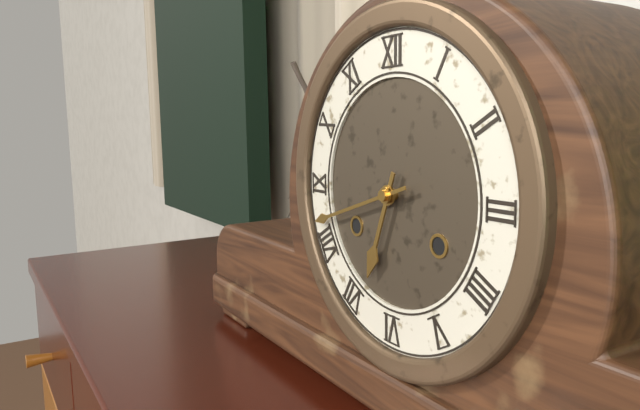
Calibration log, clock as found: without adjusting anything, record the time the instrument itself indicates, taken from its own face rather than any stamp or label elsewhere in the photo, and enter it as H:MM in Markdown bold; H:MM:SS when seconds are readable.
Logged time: **6:42**
